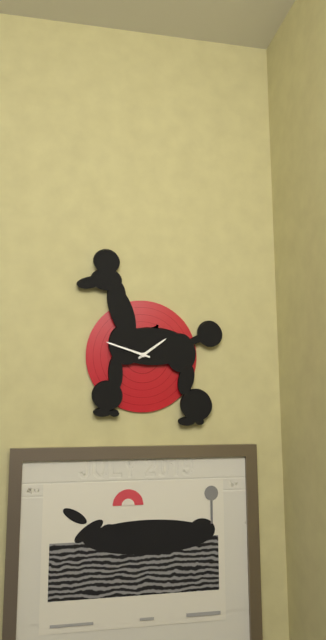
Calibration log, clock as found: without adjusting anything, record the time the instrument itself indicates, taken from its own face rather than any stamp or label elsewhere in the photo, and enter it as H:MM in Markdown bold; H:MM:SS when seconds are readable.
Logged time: **1:48**
